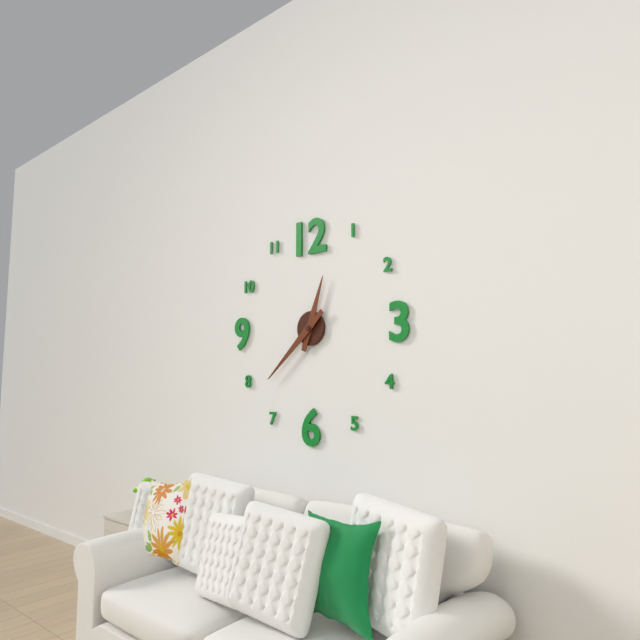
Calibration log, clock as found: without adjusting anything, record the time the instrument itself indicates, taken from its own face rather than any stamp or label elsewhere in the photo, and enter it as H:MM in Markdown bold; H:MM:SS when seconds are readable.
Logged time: **12:38**
